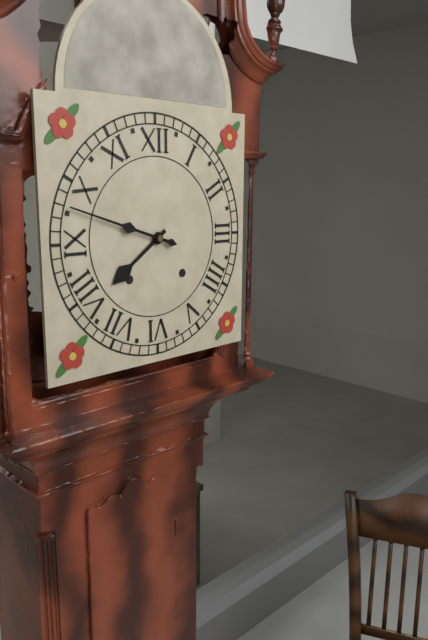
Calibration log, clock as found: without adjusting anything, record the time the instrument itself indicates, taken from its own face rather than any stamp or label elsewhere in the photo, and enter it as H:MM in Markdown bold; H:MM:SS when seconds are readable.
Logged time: **7:48**
